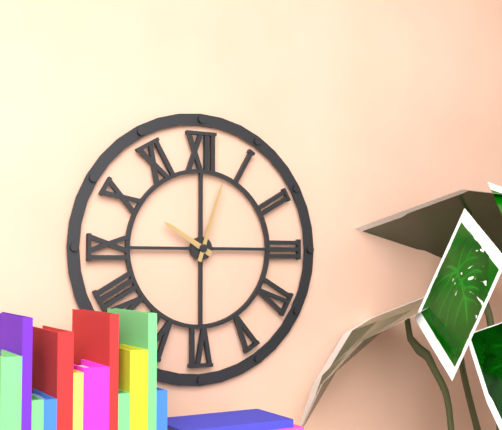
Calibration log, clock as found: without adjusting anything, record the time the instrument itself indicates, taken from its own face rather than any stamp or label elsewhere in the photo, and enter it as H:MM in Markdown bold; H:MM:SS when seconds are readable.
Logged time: **10:03**
